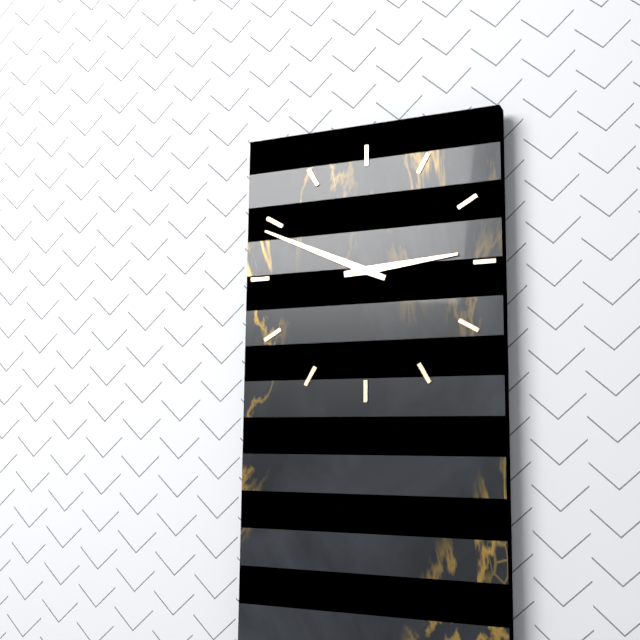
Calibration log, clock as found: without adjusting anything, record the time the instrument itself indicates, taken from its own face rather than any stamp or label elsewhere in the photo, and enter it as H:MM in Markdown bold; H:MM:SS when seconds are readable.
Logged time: **2:49**
